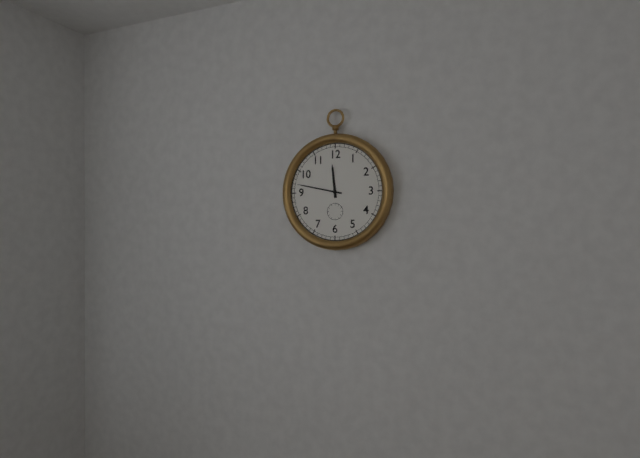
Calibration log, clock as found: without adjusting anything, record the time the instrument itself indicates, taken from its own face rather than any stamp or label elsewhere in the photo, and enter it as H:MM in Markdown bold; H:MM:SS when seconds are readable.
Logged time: **11:47**
